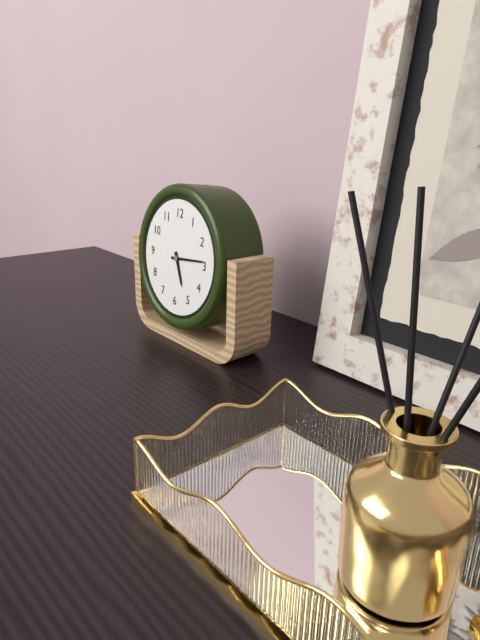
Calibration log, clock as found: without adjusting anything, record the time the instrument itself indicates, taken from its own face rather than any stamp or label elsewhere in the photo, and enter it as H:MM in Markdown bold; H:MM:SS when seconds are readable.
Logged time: **5:14**
